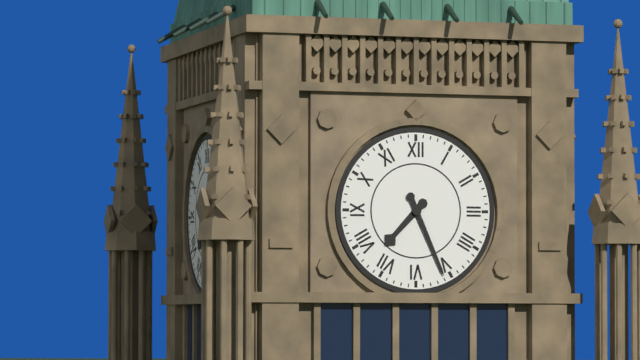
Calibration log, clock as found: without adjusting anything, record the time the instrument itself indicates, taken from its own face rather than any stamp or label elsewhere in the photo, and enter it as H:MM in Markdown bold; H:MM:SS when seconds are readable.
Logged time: **7:26**
